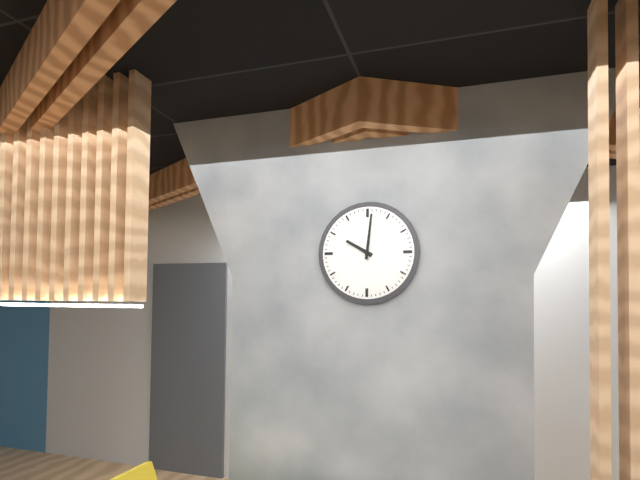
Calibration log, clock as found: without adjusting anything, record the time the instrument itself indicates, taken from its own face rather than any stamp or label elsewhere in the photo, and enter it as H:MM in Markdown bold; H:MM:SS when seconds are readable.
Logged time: **10:01**
